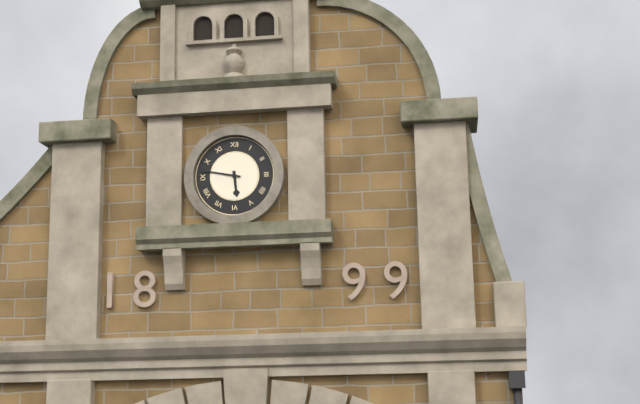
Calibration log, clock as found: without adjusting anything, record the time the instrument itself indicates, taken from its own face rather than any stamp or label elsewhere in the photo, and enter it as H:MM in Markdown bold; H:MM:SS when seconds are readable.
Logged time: **5:47**
